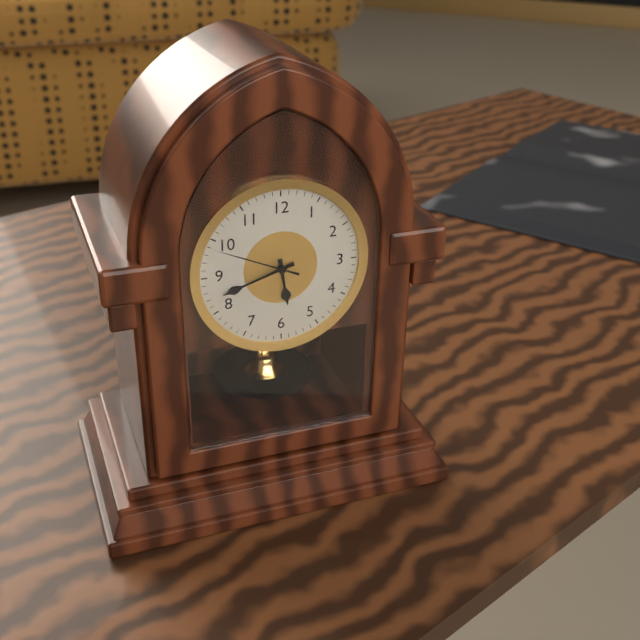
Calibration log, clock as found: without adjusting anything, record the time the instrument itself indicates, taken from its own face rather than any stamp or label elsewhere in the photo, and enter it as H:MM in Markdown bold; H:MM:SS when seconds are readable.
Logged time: **5:42:49**
